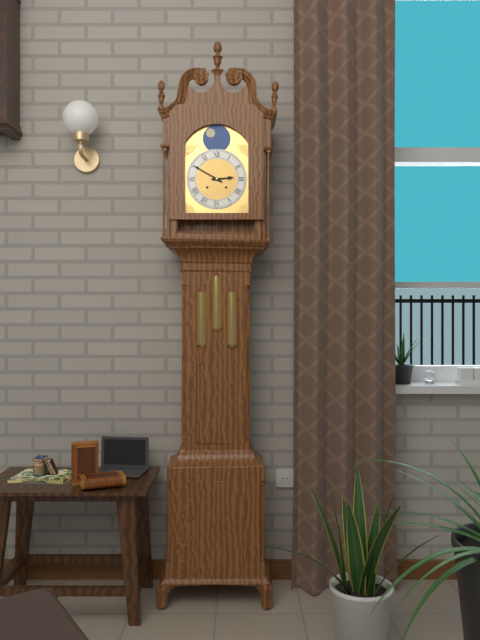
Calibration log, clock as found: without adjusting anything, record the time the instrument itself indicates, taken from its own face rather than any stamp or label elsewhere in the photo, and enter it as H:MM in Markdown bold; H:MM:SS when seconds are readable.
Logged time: **2:50**
